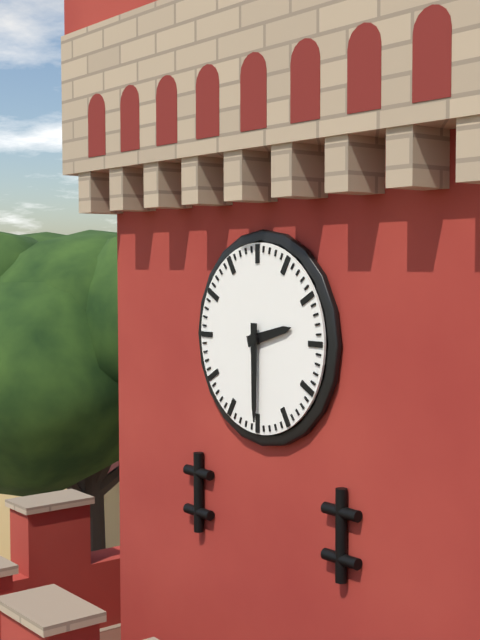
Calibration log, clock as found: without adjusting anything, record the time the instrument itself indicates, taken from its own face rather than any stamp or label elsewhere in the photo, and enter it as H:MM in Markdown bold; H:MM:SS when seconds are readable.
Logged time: **2:30**
